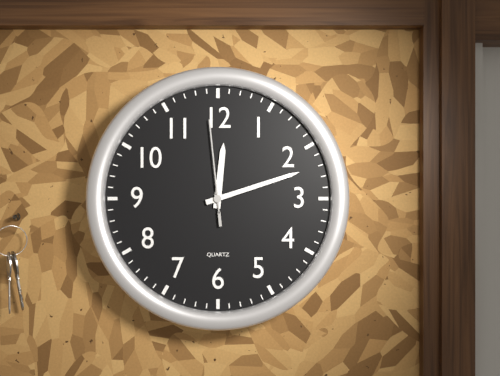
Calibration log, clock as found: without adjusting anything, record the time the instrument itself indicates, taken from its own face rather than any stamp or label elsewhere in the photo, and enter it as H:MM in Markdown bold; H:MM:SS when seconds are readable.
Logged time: **12:12:59**
